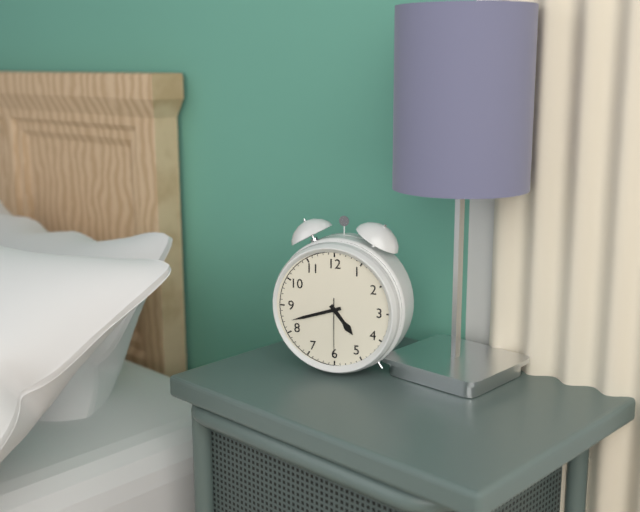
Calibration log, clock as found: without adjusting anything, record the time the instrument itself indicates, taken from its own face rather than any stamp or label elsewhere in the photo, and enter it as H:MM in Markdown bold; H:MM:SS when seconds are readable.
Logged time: **4:42:30**
